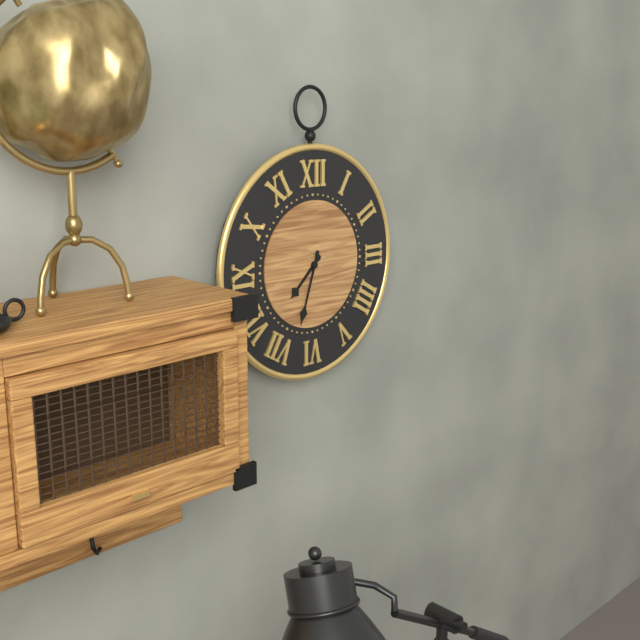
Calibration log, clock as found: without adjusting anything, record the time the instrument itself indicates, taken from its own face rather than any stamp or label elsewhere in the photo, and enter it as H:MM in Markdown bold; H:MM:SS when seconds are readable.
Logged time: **7:33**
